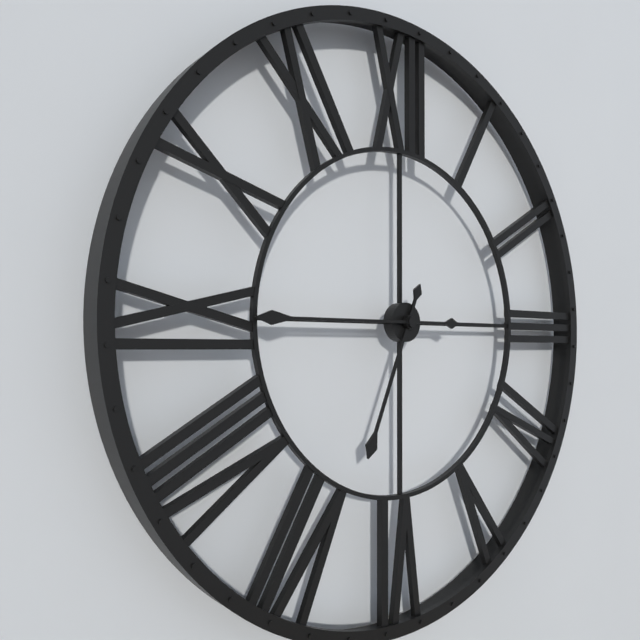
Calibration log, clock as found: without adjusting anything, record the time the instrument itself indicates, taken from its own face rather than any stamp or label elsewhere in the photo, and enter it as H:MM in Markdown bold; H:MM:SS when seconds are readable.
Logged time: **6:45**
